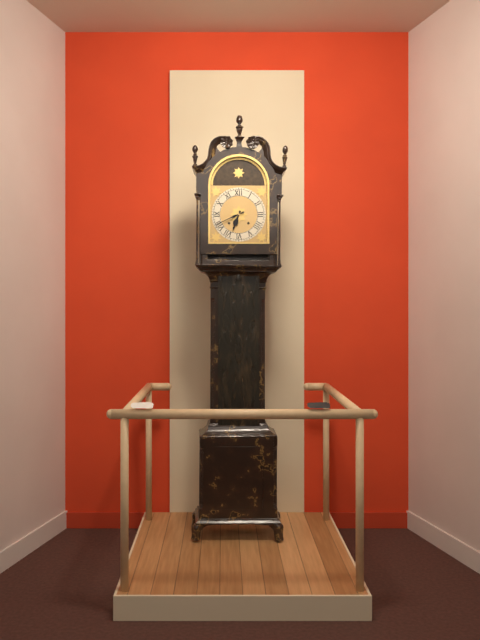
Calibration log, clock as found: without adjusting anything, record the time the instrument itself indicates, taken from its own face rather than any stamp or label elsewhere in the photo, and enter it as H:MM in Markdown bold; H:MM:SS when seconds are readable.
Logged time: **6:41**
